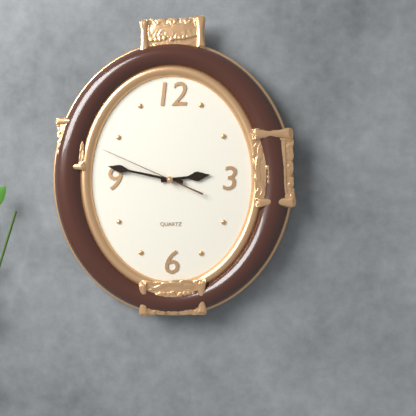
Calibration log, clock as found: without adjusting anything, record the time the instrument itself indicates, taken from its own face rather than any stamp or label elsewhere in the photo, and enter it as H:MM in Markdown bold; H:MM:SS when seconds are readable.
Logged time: **2:47:49**
